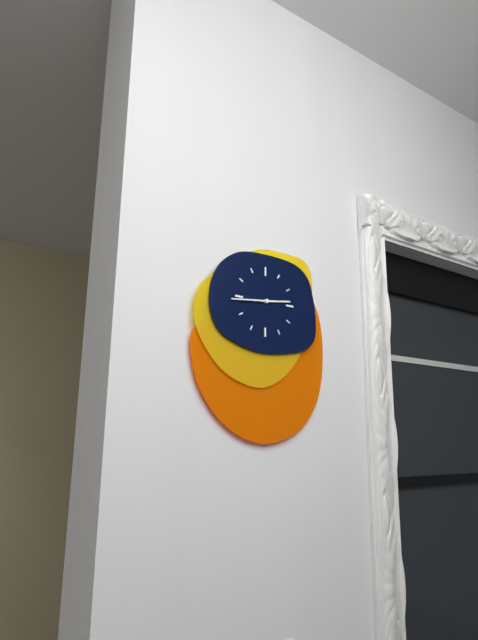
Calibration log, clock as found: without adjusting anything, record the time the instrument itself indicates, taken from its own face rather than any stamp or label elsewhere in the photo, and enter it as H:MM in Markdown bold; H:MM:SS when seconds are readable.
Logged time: **2:44**
